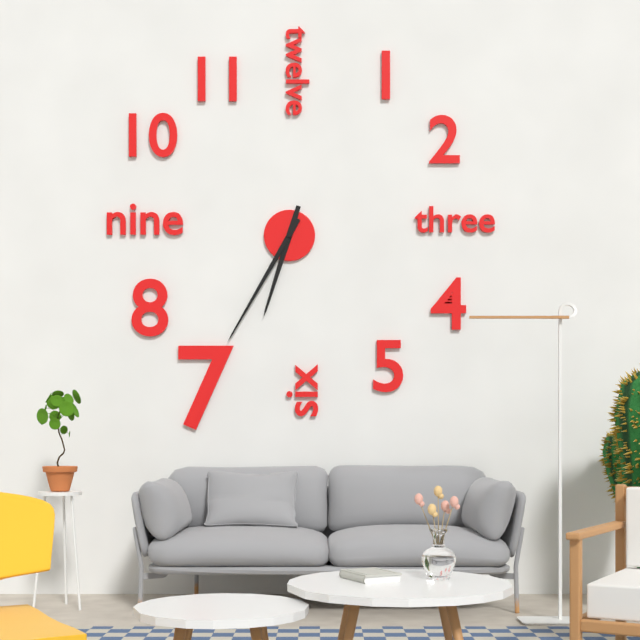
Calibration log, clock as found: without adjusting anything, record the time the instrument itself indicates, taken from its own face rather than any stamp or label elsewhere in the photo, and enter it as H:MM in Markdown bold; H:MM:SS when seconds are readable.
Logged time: **6:35**
